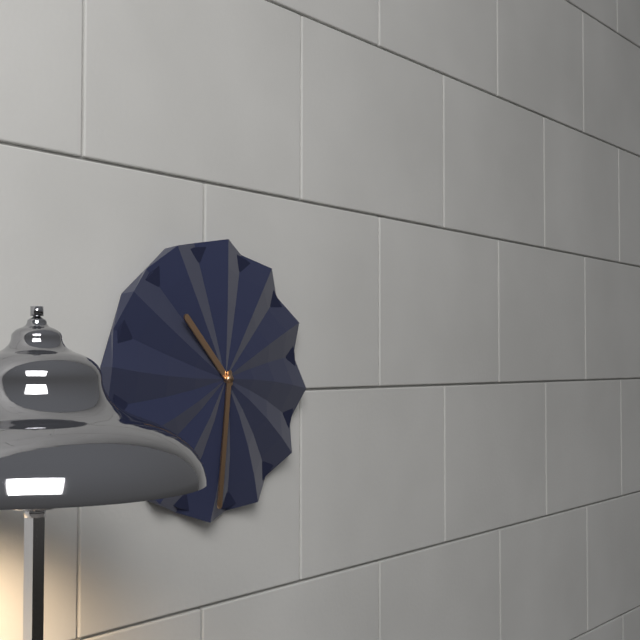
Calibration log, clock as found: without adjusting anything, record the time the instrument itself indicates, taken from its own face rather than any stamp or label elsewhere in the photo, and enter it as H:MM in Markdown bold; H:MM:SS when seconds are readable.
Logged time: **10:31**
